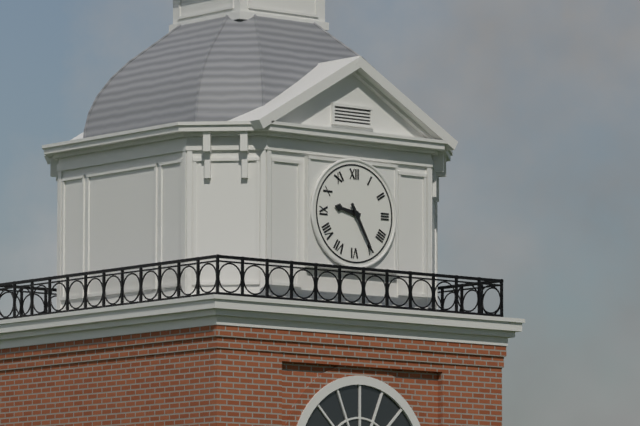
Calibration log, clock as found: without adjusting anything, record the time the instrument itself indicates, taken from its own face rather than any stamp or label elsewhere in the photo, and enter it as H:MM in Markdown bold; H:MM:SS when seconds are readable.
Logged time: **9:25**
